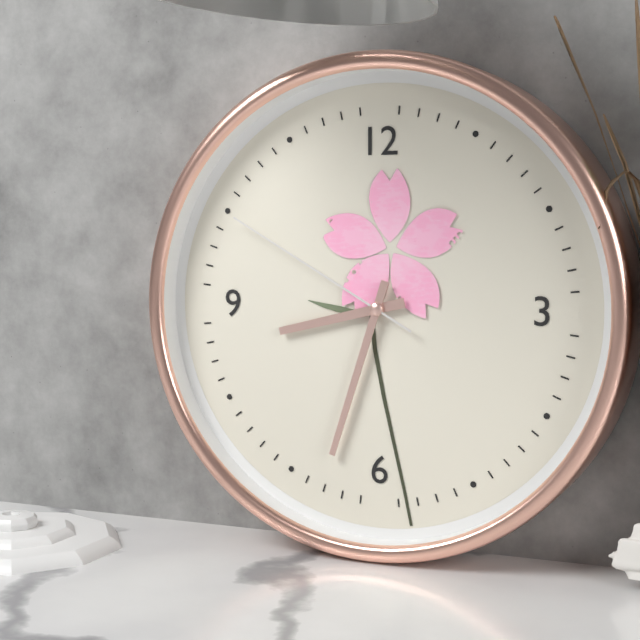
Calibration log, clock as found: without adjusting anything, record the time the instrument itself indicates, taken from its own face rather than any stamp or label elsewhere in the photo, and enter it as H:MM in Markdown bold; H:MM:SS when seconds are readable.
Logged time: **8:33:50**
